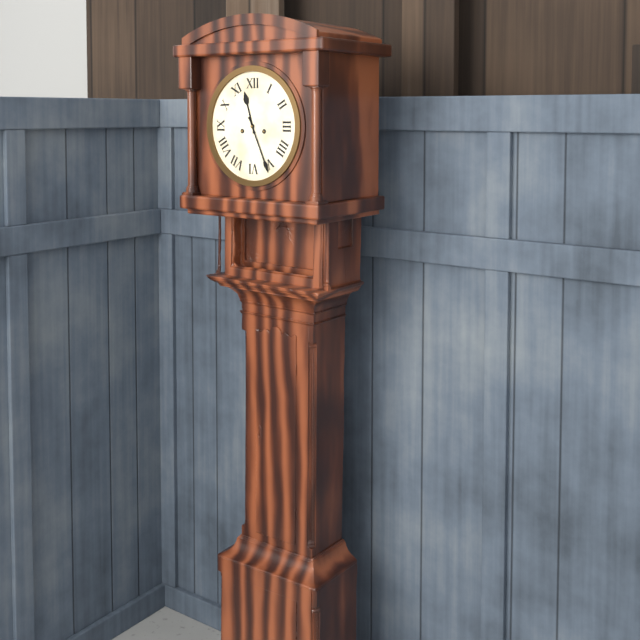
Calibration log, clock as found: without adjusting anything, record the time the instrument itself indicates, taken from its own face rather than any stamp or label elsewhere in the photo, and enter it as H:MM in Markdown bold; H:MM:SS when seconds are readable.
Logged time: **11:26**
